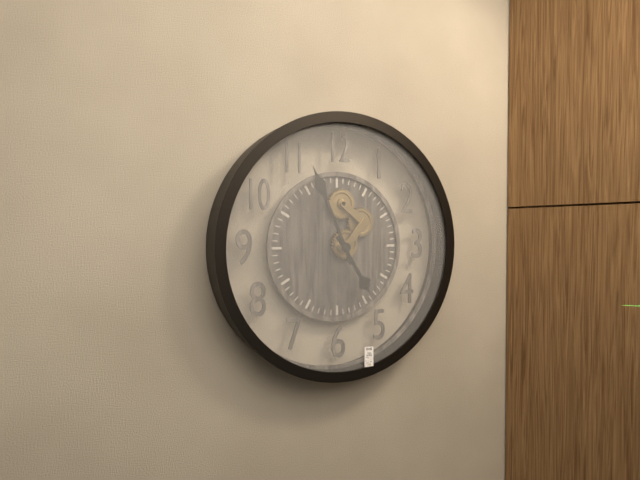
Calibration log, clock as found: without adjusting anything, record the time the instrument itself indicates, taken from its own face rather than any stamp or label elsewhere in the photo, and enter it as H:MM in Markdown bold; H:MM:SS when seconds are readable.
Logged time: **4:56**
